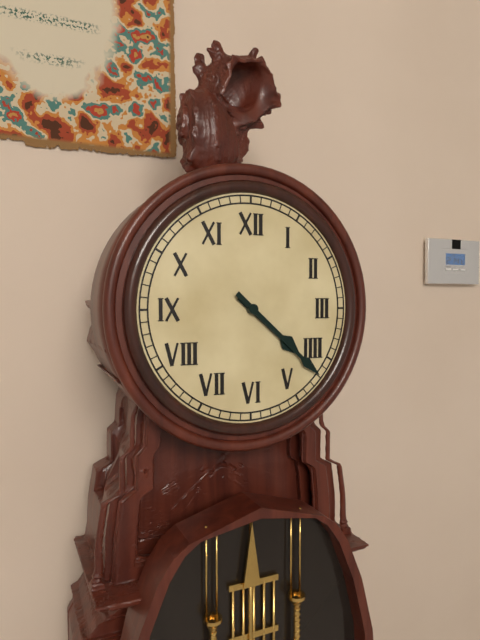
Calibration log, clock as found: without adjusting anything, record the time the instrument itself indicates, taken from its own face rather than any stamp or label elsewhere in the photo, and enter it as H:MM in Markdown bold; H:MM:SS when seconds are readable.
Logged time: **4:22**
